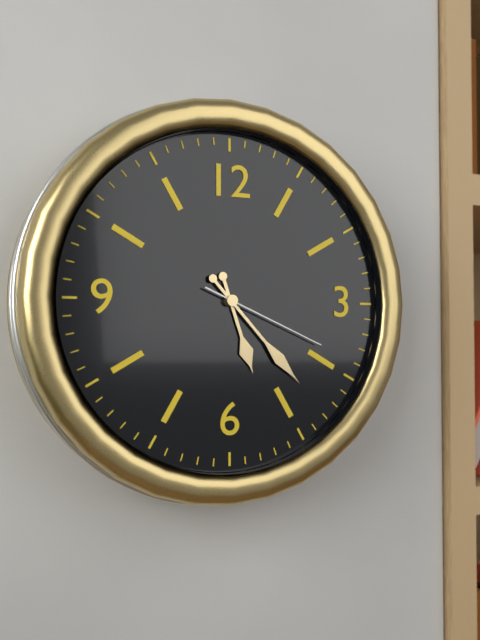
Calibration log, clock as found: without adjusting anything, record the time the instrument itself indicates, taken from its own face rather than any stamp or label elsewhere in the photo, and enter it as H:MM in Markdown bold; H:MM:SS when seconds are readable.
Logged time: **5:23:19**
